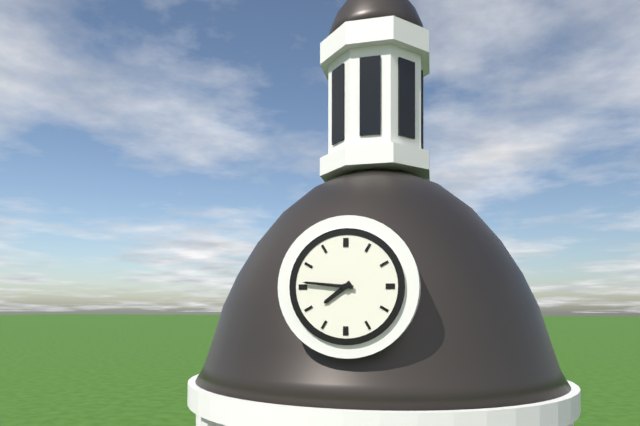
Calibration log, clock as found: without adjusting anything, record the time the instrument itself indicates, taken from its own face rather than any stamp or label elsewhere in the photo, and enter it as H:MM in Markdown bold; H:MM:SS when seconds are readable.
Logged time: **7:46**
